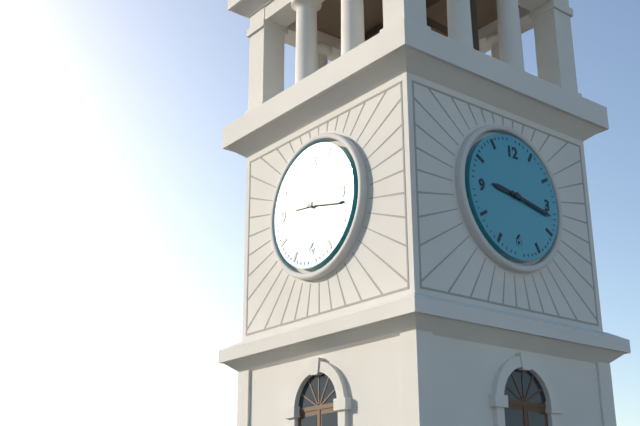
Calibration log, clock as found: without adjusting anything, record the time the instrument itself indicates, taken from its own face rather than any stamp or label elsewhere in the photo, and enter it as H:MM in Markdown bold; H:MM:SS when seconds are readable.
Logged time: **9:17**
